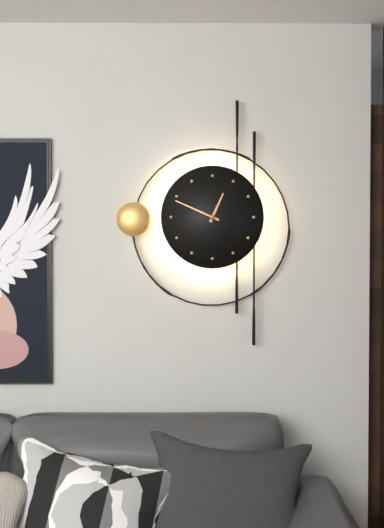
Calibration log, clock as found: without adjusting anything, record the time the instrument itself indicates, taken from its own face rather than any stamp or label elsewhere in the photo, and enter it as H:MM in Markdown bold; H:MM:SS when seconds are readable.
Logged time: **12:49**
